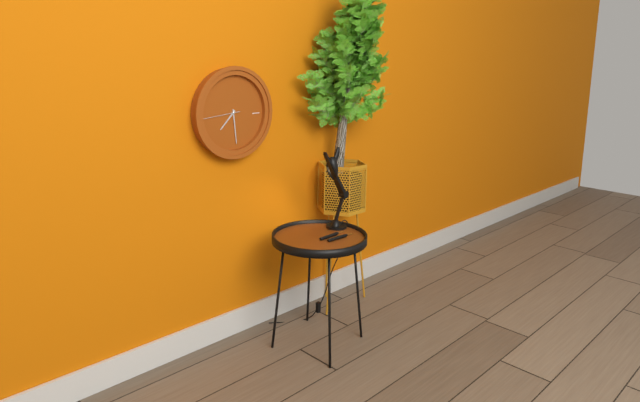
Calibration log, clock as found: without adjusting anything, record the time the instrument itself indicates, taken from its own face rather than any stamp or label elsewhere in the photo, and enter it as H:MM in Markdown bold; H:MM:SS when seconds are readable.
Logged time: **7:29**
